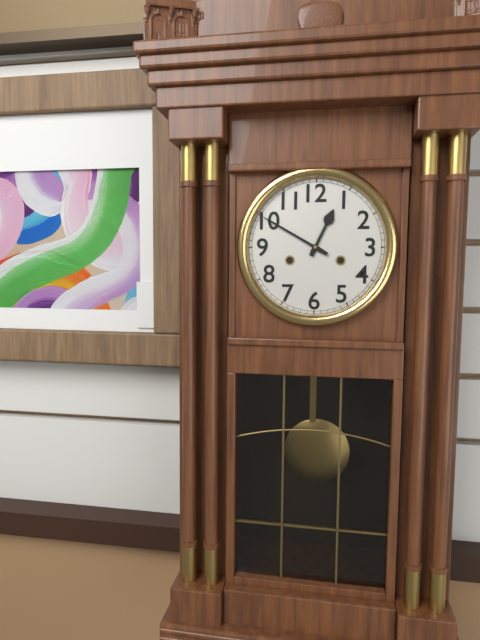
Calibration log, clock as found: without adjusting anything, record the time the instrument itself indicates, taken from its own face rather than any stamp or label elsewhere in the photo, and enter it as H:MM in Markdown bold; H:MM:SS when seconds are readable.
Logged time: **12:50**
